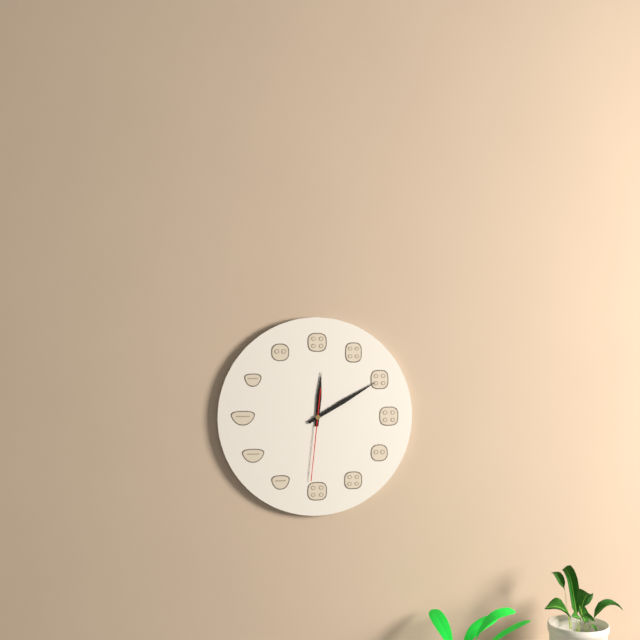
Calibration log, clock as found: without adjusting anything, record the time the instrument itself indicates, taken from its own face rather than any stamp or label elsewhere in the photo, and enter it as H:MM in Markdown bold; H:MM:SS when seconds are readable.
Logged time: **12:10:31**
